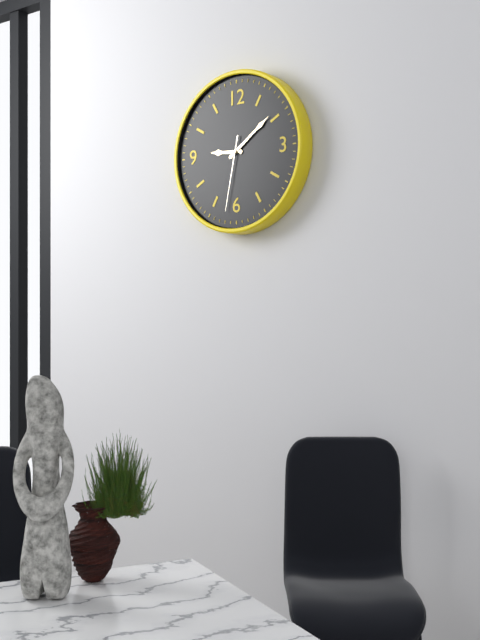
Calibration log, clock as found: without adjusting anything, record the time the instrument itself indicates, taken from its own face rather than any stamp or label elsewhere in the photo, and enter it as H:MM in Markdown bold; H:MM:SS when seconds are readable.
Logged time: **9:09:32**
